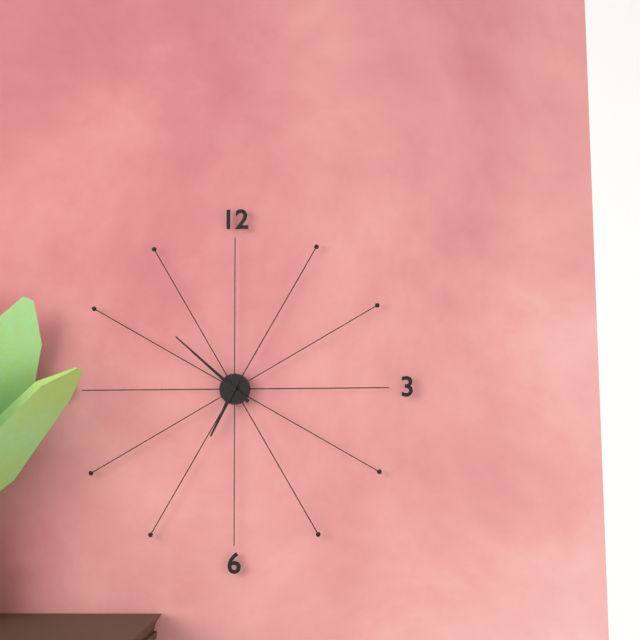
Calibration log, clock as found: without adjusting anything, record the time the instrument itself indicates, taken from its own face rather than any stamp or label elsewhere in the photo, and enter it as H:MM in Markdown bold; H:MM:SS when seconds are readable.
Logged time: **6:52**
